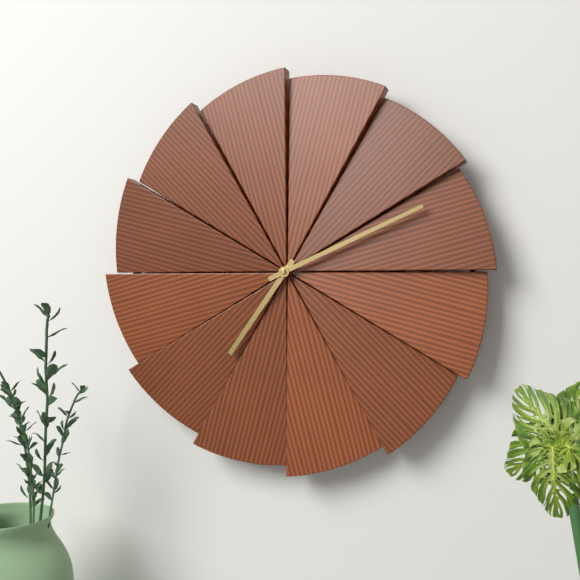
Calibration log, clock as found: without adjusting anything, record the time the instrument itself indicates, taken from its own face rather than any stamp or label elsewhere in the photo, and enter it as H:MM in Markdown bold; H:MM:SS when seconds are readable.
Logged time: **7:11**
